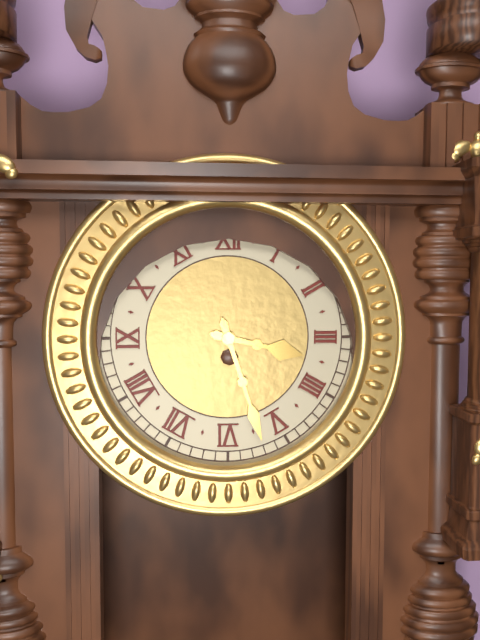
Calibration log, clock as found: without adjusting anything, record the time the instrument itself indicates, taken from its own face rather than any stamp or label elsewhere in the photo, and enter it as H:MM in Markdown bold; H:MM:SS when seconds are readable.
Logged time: **3:27**
